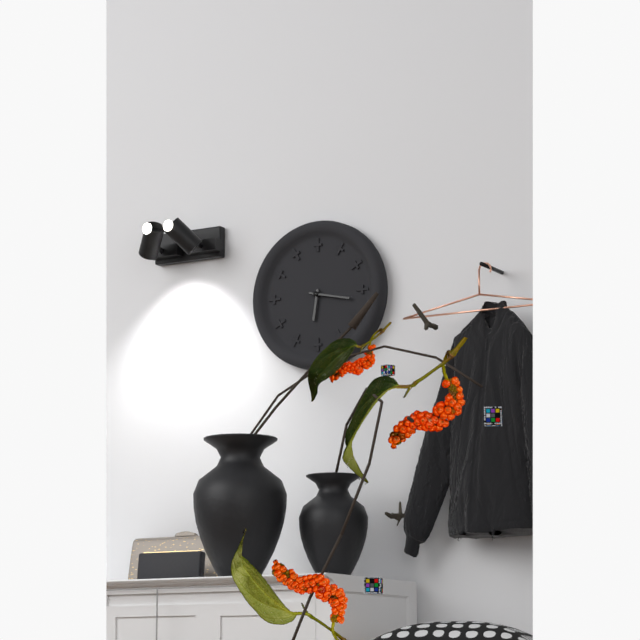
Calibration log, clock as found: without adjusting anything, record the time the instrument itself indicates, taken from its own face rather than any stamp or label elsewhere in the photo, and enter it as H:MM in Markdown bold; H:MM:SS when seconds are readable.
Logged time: **6:17**
